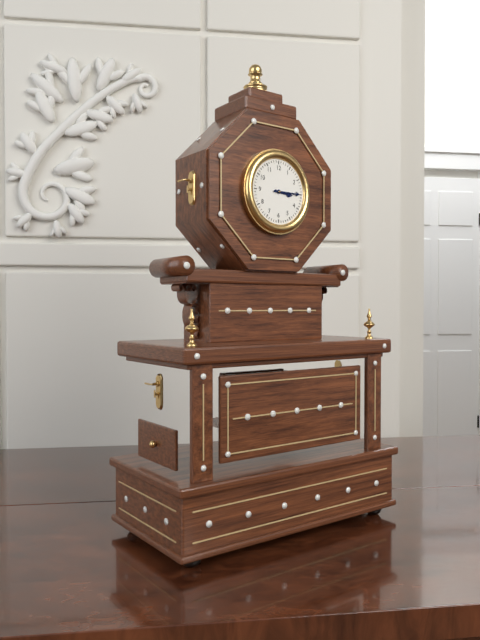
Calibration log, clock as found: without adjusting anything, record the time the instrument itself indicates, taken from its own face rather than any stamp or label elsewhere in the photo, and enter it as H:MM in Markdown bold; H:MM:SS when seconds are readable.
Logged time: **3:15**
